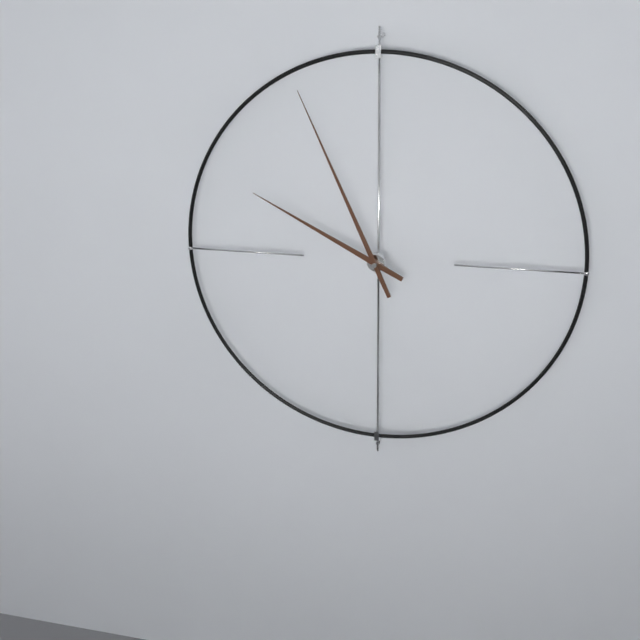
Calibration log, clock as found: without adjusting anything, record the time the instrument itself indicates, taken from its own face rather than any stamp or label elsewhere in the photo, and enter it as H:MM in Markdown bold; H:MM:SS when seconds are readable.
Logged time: **9:56**
